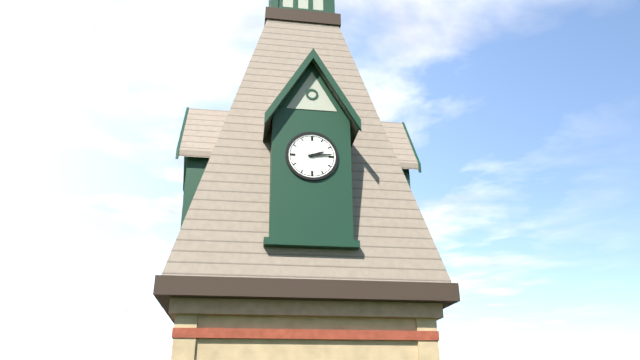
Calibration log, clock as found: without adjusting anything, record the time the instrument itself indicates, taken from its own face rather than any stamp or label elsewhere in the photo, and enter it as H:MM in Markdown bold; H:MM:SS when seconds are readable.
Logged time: **2:14**
